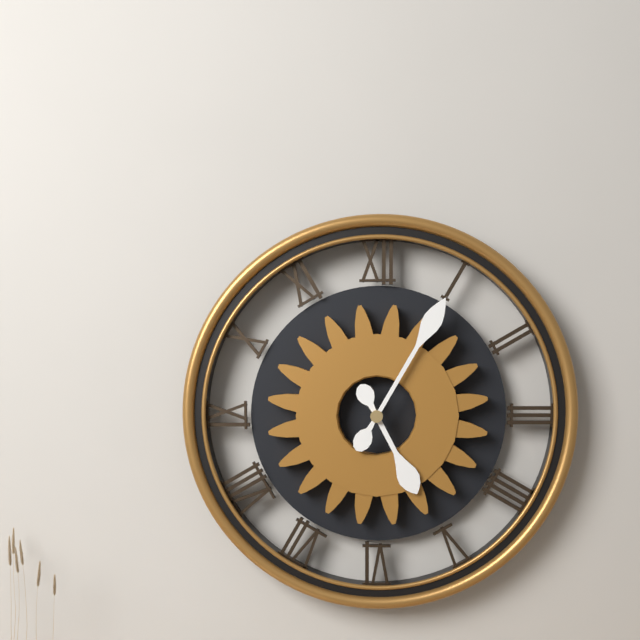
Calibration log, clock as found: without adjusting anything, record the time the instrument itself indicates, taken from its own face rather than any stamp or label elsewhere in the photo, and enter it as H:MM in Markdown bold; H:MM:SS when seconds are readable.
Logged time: **5:05**
